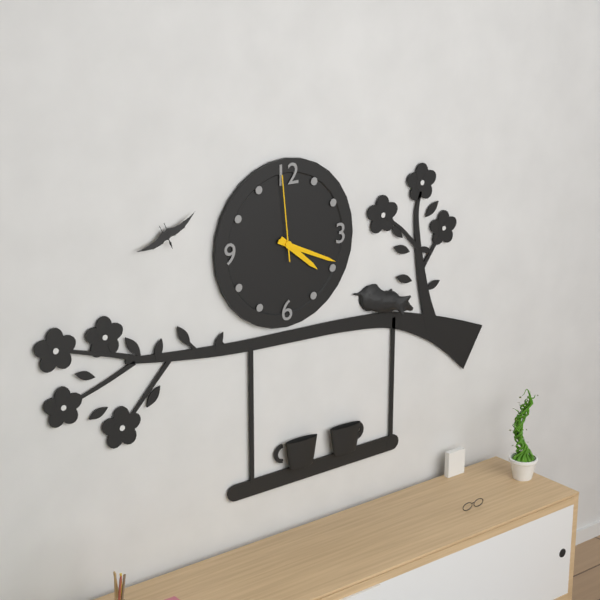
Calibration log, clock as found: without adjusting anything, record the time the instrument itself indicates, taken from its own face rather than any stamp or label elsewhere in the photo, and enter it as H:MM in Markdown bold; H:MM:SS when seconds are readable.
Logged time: **4:19:59**
